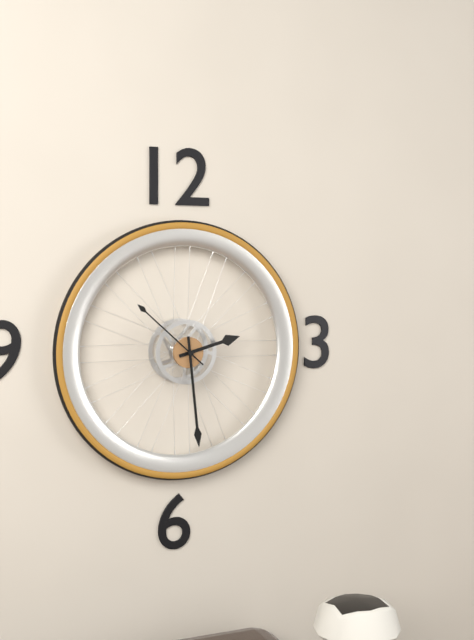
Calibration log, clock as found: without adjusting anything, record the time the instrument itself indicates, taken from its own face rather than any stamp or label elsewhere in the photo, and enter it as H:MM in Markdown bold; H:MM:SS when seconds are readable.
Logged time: **2:29:52**
